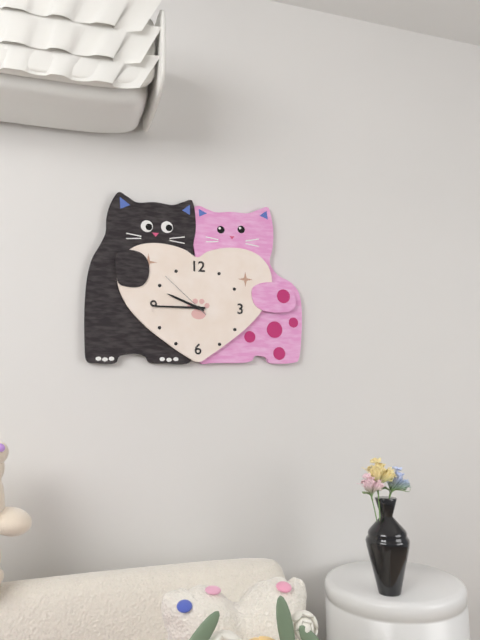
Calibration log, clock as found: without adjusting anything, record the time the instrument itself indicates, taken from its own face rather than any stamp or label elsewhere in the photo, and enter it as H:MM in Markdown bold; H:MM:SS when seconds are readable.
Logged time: **9:45:52**
